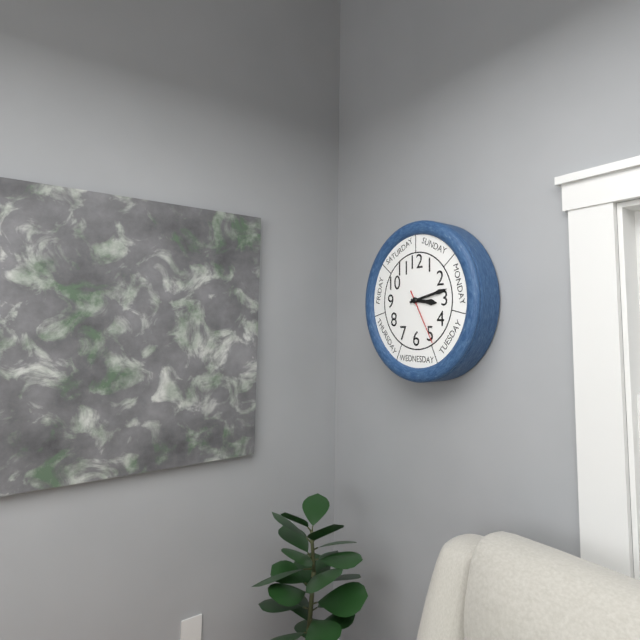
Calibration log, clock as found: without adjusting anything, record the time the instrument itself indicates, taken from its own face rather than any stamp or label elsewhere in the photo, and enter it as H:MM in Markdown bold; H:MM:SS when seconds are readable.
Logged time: **3:13:25**
